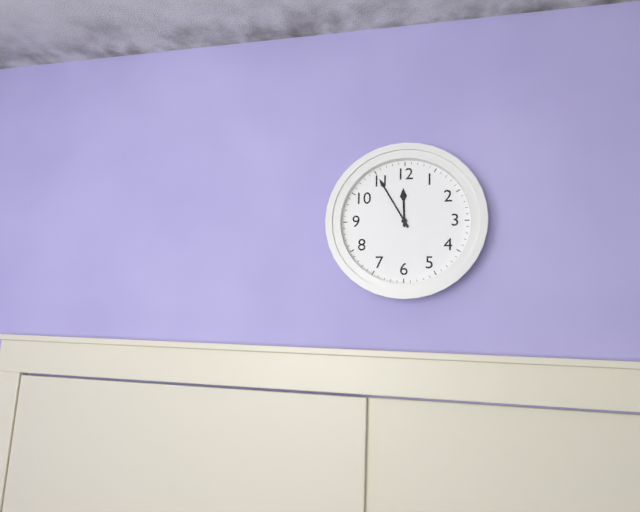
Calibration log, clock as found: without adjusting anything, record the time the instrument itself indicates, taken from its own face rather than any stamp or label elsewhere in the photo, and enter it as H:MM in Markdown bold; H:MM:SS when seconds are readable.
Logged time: **11:55**
